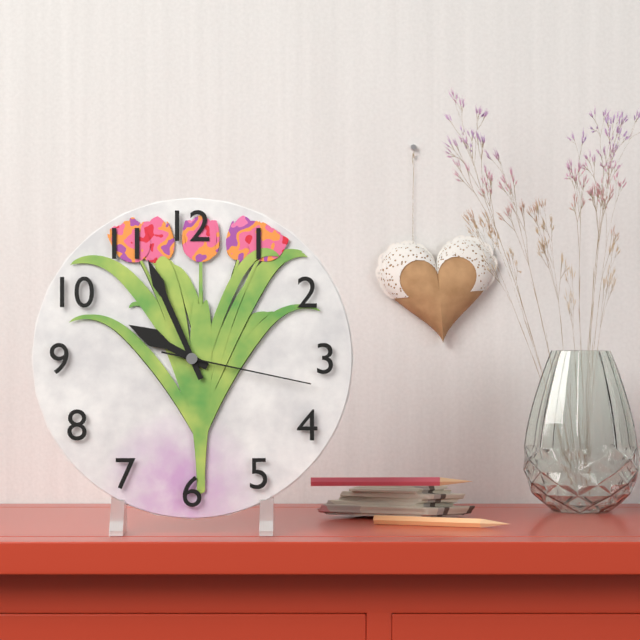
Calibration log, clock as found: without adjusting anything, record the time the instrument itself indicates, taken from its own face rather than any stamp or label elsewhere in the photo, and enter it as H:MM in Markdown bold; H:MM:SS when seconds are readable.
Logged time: **9:56:17**
